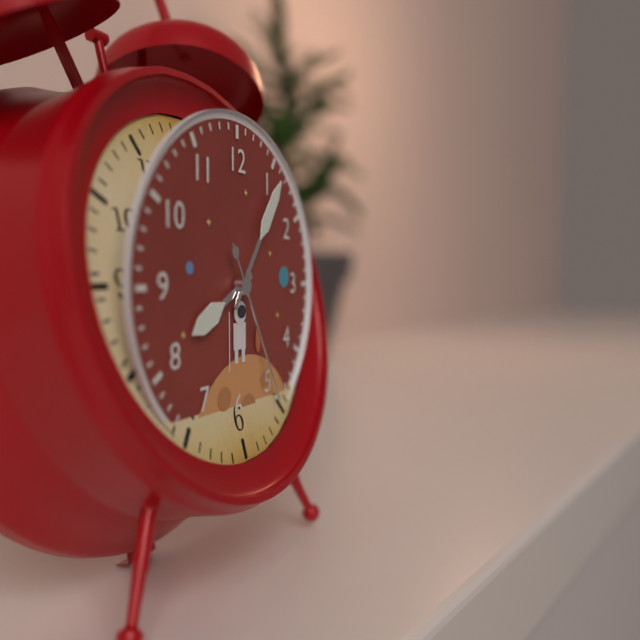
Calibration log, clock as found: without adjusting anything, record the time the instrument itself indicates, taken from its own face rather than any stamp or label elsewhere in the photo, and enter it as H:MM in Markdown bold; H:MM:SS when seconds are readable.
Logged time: **8:06:25**
